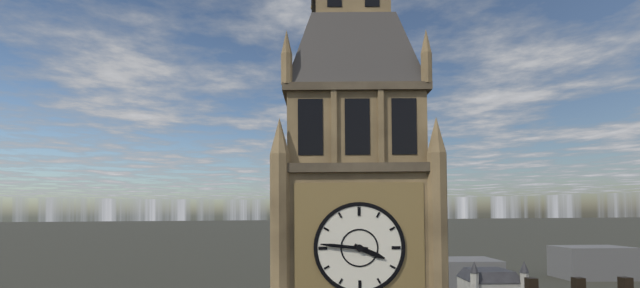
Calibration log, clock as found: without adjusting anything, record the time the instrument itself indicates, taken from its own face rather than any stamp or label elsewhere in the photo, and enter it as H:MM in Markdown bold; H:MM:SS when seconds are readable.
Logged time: **3:46**
